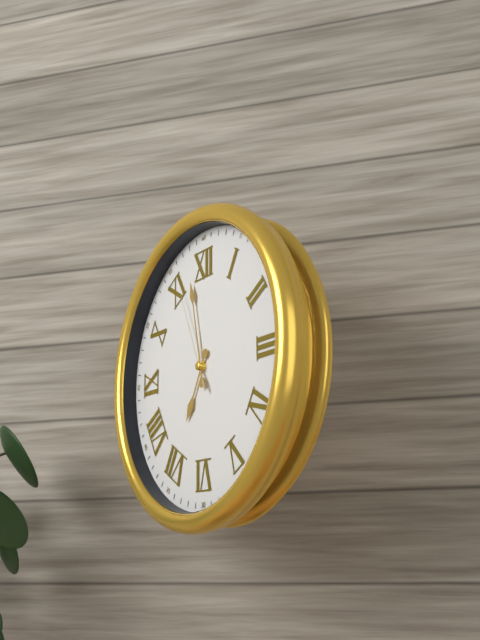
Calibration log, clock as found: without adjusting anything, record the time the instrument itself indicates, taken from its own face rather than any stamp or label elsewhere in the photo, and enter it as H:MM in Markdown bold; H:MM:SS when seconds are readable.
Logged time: **6:58:56**
